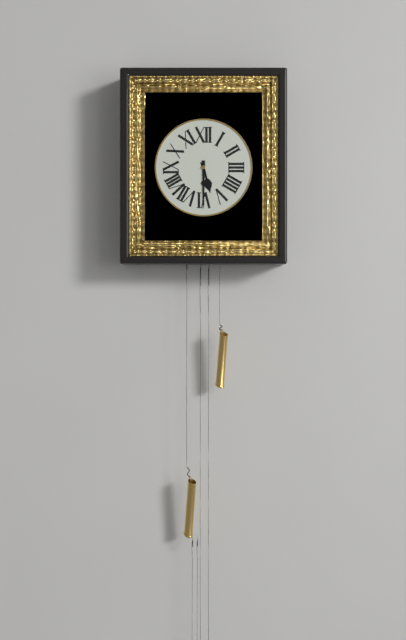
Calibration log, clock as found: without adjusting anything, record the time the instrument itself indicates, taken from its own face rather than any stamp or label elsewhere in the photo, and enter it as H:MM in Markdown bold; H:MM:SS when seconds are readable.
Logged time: **5:30**
